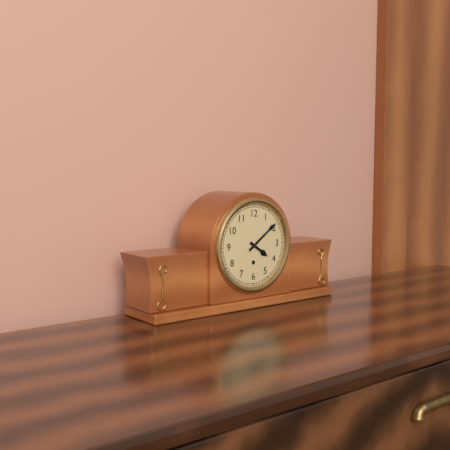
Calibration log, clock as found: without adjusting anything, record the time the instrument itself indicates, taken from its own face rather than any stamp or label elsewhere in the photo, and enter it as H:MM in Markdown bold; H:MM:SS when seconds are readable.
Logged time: **4:09**
